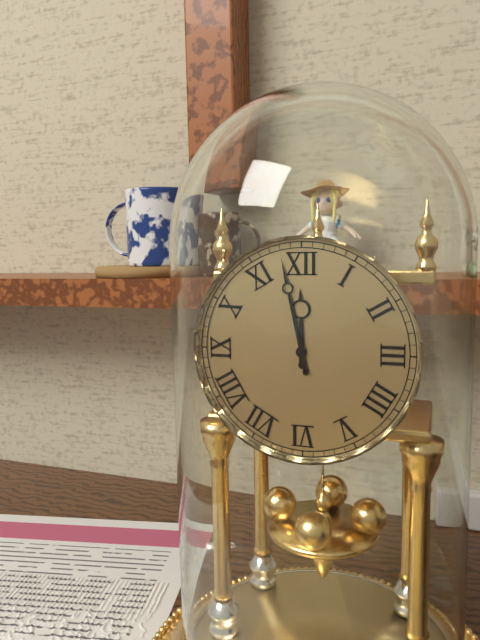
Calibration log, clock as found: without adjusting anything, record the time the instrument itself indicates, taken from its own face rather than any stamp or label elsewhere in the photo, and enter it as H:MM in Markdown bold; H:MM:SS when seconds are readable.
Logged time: **11:58**
